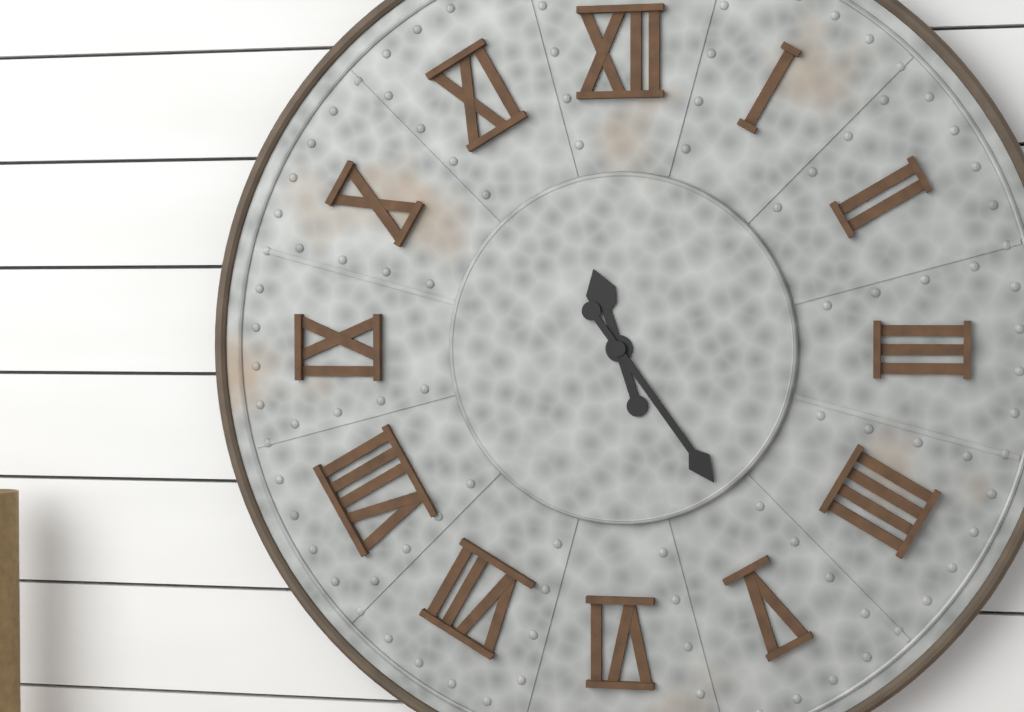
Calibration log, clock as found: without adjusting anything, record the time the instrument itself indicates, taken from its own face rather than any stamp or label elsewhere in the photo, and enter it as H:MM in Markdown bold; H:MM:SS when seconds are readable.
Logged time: **11:24**
